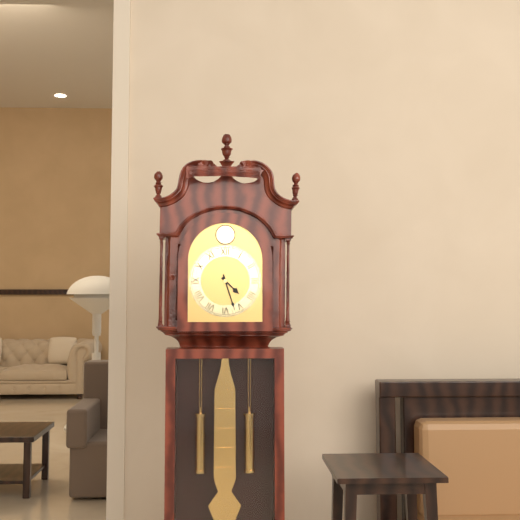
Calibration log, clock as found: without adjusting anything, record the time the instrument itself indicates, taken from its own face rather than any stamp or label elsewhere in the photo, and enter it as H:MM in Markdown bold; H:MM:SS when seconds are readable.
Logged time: **4:27**
